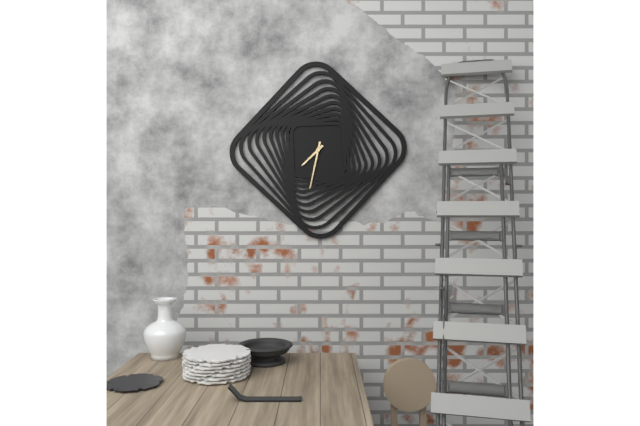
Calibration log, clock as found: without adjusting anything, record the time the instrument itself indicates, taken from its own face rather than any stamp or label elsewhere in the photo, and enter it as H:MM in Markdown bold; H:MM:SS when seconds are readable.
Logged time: **7:32**
